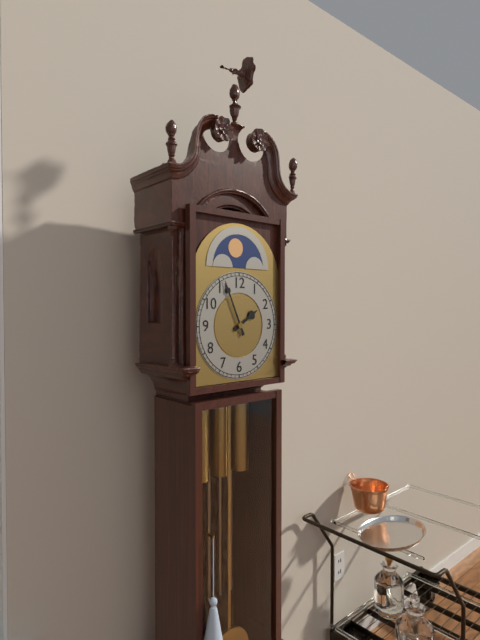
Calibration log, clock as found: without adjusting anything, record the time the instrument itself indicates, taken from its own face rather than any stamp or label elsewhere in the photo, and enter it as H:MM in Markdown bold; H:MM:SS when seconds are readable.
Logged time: **1:56**
